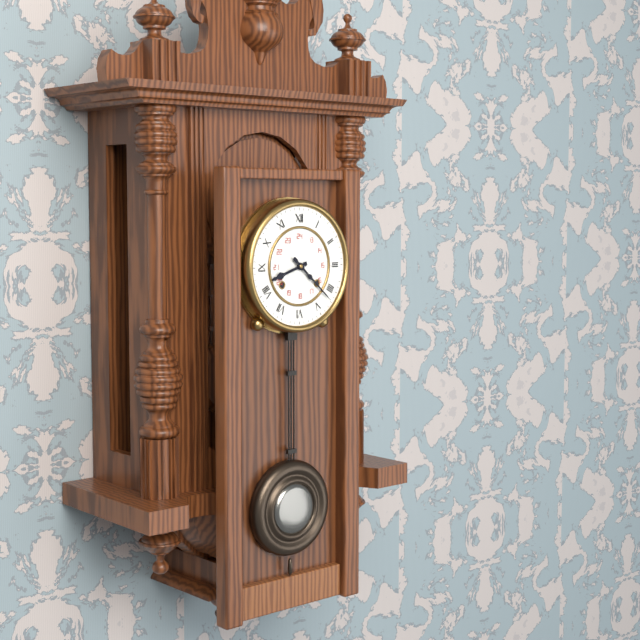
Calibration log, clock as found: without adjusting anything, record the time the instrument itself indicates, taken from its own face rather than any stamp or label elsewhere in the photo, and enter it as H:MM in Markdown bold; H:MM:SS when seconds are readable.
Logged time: **8:22**
